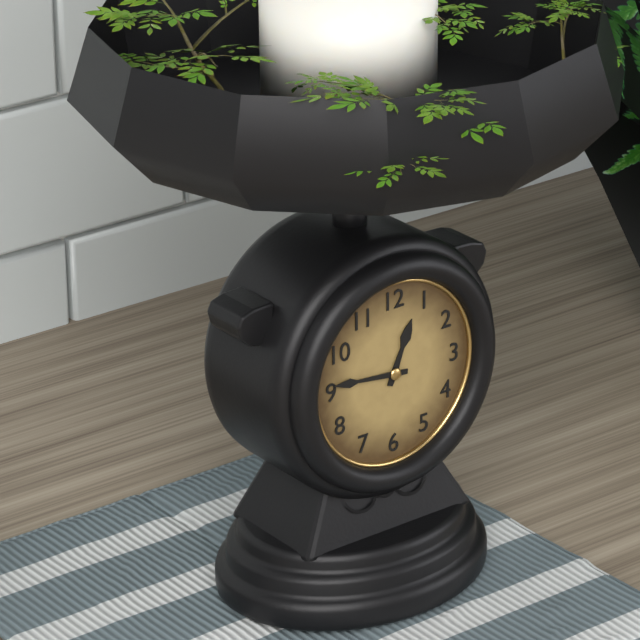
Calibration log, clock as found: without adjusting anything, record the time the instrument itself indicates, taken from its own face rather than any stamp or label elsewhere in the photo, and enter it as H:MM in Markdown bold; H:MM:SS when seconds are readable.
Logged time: **12:46**
